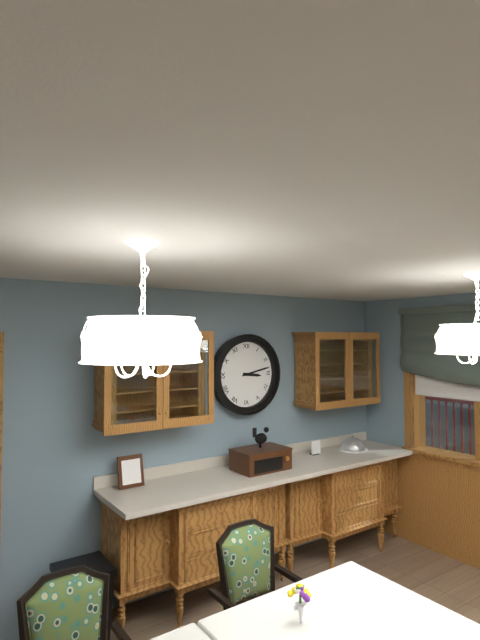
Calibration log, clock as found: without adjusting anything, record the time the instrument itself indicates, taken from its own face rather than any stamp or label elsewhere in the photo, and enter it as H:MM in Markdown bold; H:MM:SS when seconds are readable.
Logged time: **3:13**
